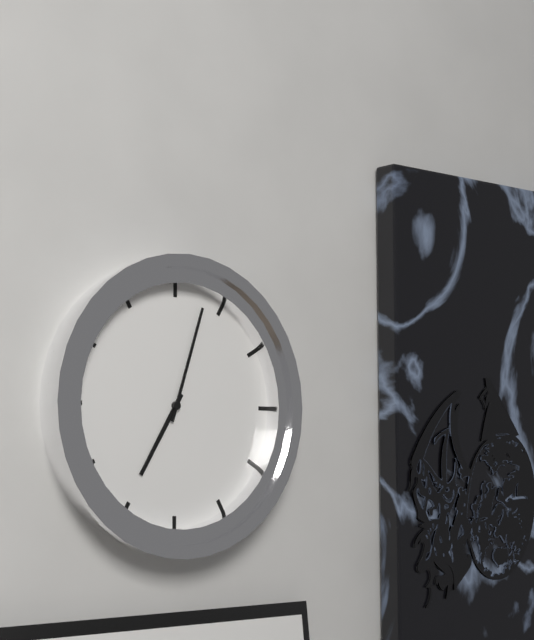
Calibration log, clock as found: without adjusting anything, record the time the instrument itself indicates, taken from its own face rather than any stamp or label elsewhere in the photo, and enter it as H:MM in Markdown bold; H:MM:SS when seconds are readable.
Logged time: **7:03**
